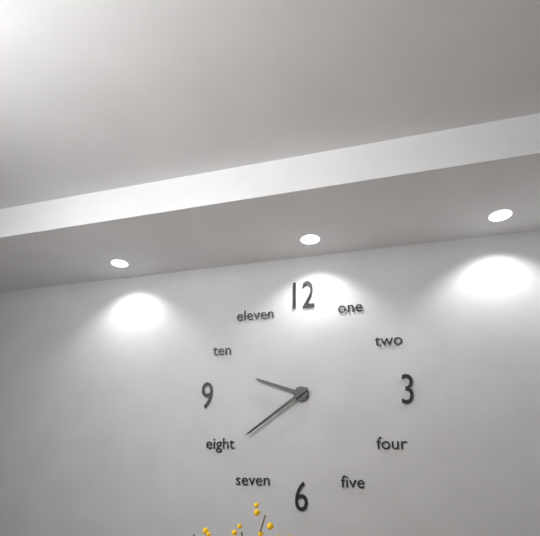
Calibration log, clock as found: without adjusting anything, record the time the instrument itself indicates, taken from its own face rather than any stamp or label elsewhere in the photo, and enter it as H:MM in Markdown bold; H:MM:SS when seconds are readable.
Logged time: **9:39**
